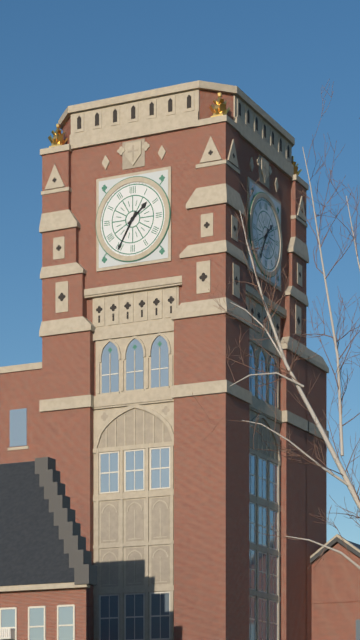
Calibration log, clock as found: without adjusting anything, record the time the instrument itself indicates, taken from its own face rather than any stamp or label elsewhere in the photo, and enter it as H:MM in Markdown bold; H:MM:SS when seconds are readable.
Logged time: **1:35**
